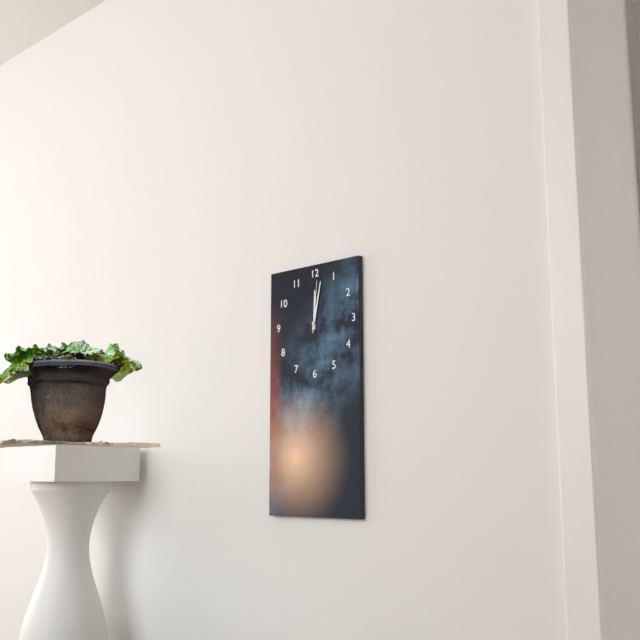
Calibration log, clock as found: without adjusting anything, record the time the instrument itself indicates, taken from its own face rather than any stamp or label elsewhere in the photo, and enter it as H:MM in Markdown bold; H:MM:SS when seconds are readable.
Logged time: **12:02:01**
